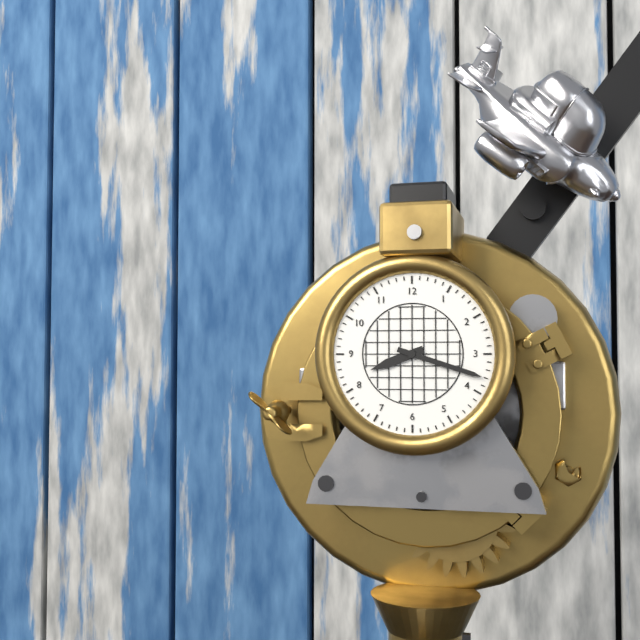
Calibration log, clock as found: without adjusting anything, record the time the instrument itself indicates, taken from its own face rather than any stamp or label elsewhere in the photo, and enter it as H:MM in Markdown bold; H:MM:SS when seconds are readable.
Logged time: **8:18**
